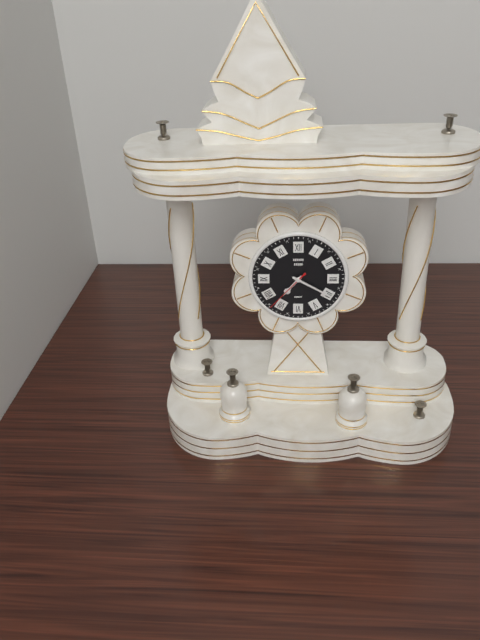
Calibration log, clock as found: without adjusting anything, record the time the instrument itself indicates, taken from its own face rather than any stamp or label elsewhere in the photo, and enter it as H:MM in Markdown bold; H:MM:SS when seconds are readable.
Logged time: **7:20**
